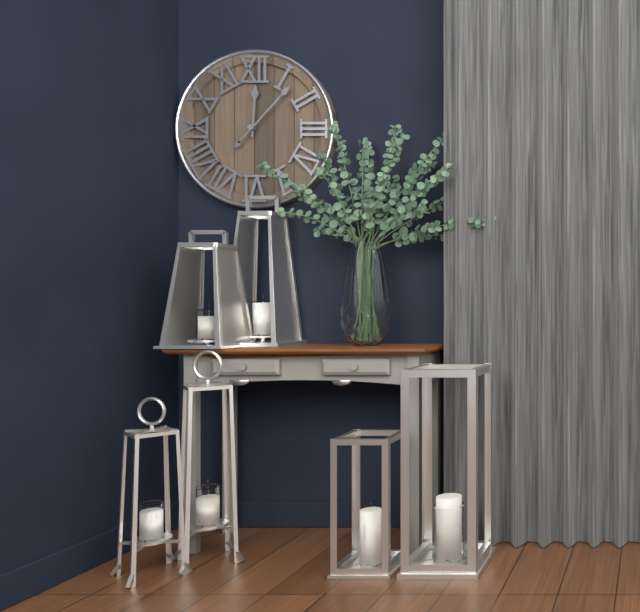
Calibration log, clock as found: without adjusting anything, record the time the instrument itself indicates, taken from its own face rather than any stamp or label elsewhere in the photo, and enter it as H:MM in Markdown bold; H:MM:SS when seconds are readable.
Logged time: **12:07**
